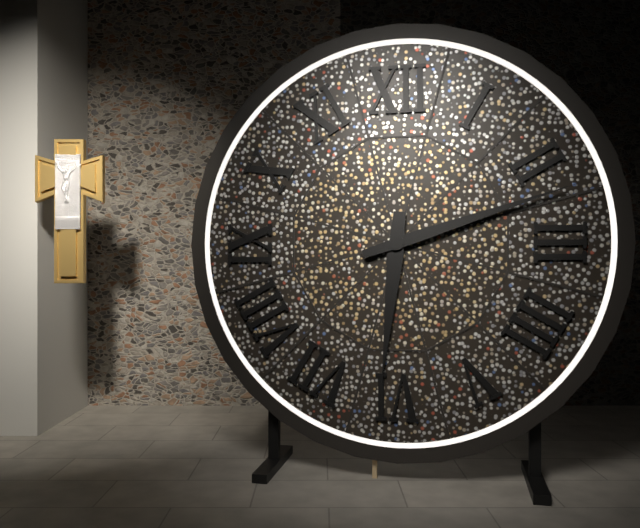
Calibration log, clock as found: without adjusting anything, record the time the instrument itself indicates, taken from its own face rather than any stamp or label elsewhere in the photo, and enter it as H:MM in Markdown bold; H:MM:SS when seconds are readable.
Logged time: **6:12**
